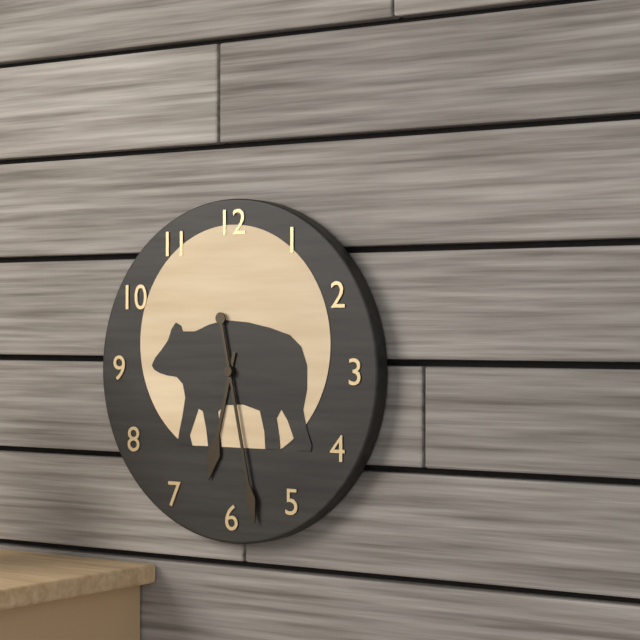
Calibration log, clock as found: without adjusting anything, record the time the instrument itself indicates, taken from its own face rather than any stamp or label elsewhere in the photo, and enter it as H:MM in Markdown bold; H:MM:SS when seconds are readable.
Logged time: **6:28**
